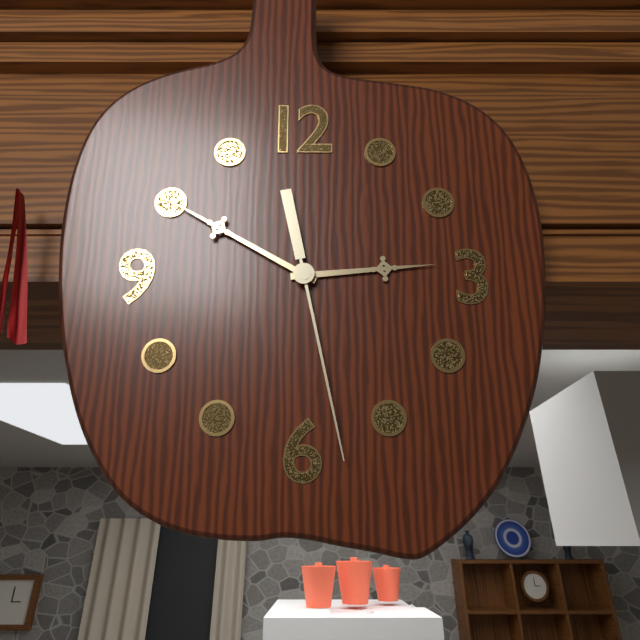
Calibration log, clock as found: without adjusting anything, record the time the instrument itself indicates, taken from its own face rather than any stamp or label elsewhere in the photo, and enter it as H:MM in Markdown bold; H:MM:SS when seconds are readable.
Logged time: **2:50:28**
